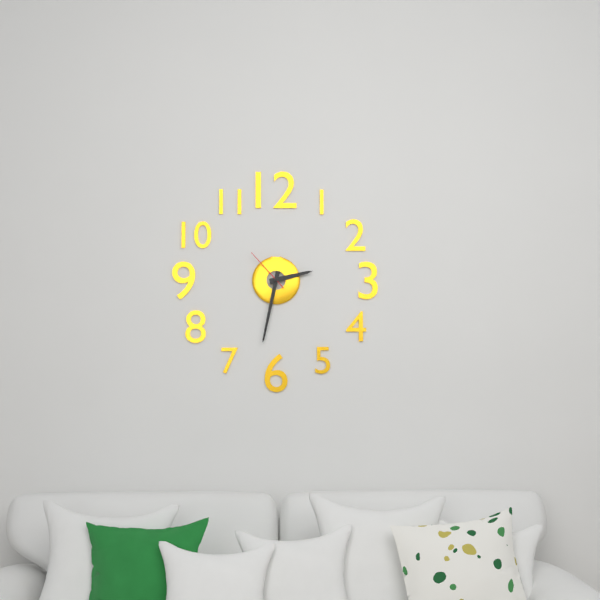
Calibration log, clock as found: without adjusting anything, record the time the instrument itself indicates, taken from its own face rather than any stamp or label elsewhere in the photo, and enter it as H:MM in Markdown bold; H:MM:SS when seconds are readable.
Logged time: **2:32**
